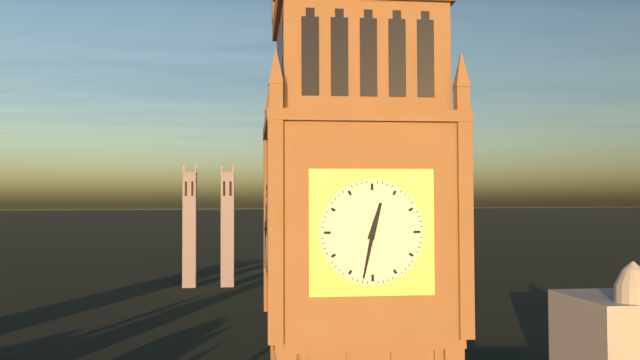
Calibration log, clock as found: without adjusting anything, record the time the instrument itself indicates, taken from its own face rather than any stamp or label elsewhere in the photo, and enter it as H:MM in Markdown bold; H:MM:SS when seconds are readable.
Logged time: **12:32**
